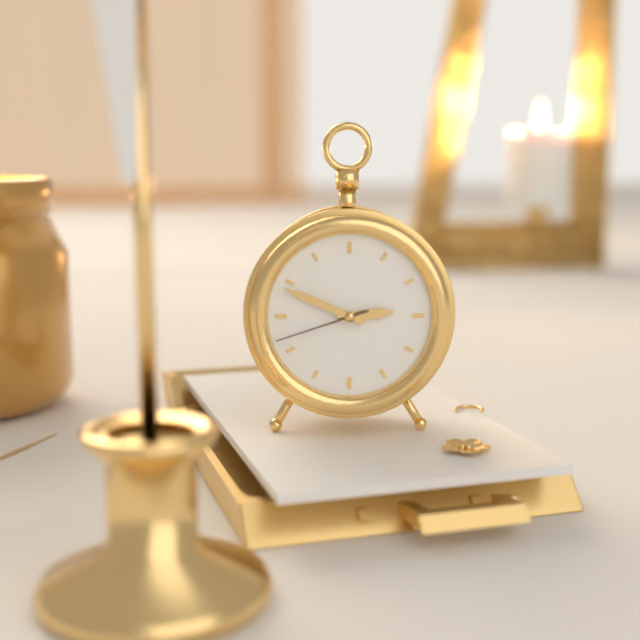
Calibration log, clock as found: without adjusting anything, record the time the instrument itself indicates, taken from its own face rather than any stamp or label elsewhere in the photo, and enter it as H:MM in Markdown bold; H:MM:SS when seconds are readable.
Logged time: **2:49:42**
